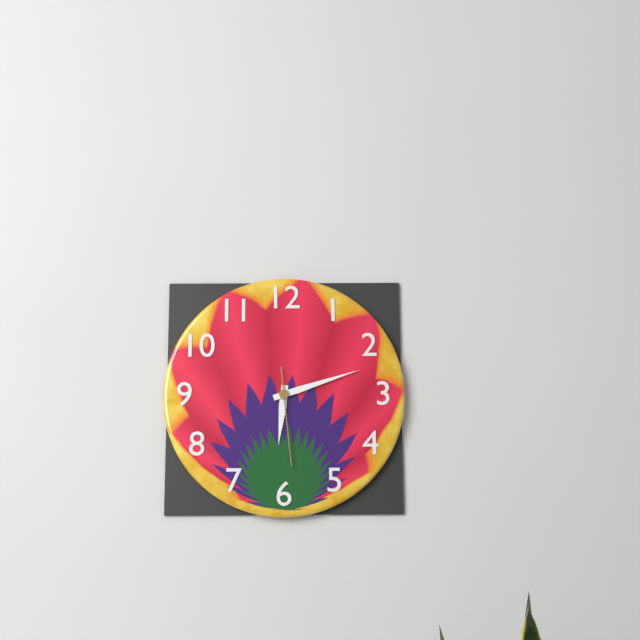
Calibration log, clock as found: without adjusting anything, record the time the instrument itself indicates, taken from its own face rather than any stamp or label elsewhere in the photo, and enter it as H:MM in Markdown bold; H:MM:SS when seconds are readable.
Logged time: **6:12:29**
